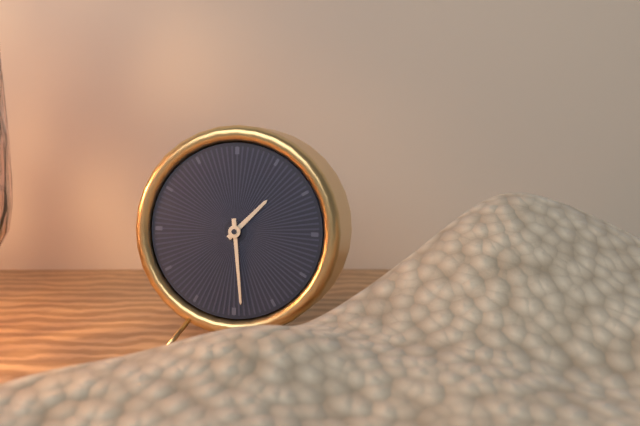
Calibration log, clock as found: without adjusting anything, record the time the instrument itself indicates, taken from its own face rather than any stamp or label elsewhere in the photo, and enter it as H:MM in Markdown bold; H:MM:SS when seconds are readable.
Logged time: **1:29**
